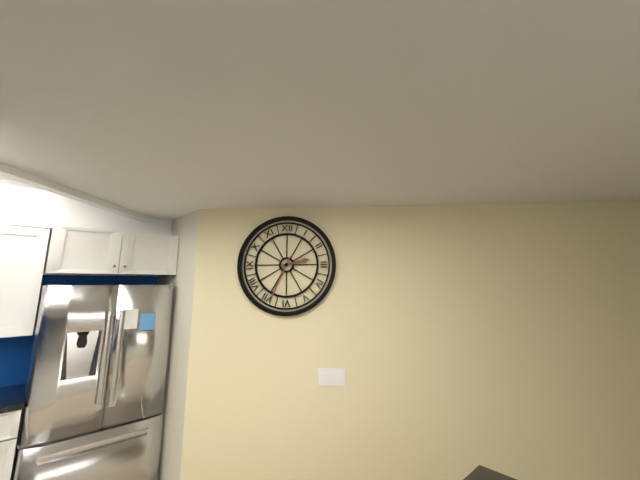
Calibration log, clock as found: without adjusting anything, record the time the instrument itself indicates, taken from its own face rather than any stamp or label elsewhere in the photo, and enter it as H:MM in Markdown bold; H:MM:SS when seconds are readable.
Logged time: **2:34**
